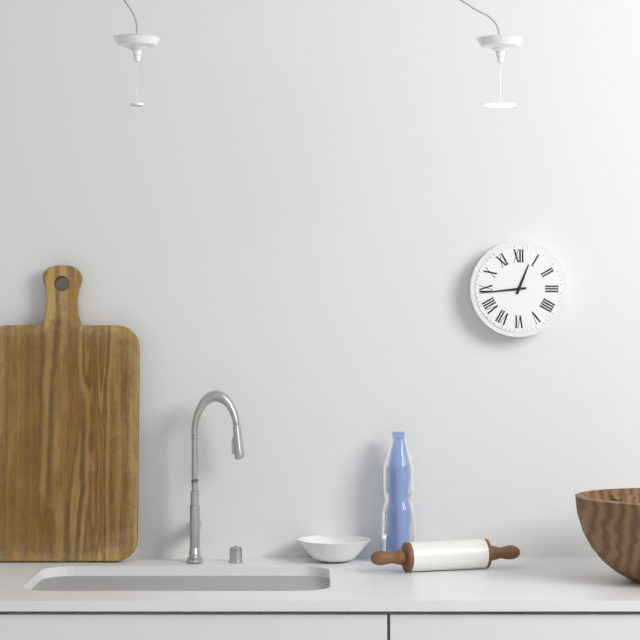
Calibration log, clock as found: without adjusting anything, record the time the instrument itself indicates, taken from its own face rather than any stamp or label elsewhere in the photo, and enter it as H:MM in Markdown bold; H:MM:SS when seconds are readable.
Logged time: **12:44**
